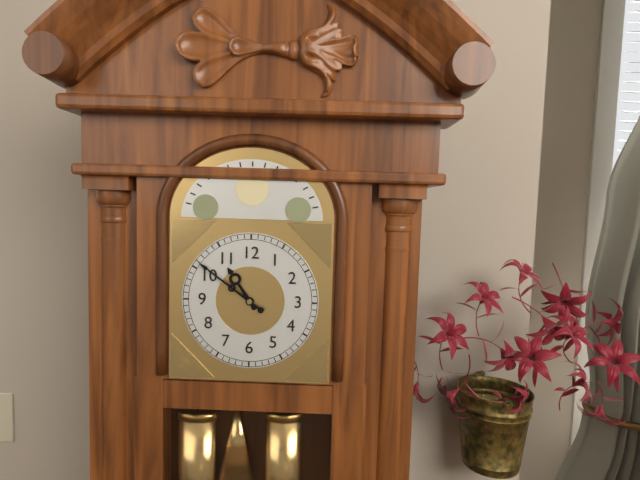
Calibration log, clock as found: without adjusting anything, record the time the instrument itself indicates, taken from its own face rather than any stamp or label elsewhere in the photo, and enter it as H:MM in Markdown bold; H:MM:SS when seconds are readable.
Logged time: **10:51**
